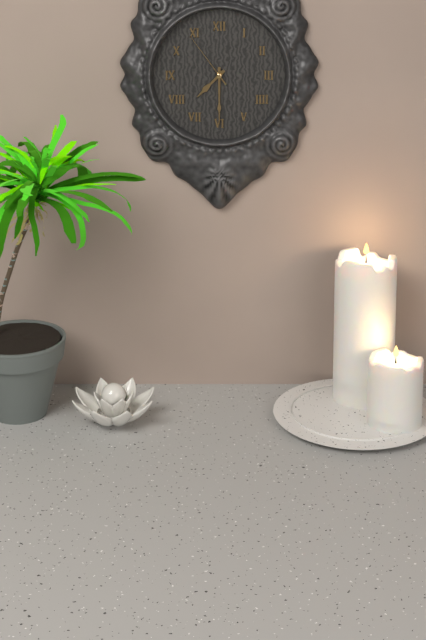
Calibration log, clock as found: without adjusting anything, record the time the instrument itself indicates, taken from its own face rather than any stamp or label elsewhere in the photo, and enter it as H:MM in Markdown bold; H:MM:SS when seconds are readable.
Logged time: **7:30:54**
